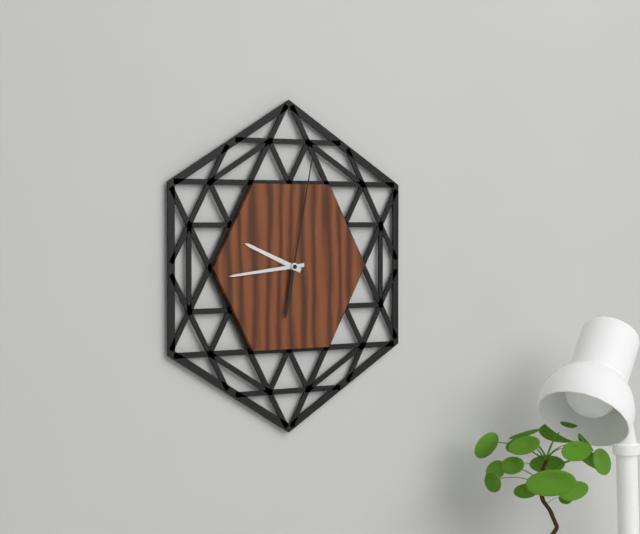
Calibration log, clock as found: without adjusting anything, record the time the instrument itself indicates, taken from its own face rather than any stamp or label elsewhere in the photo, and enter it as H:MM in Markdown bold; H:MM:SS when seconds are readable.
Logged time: **9:44:02**
